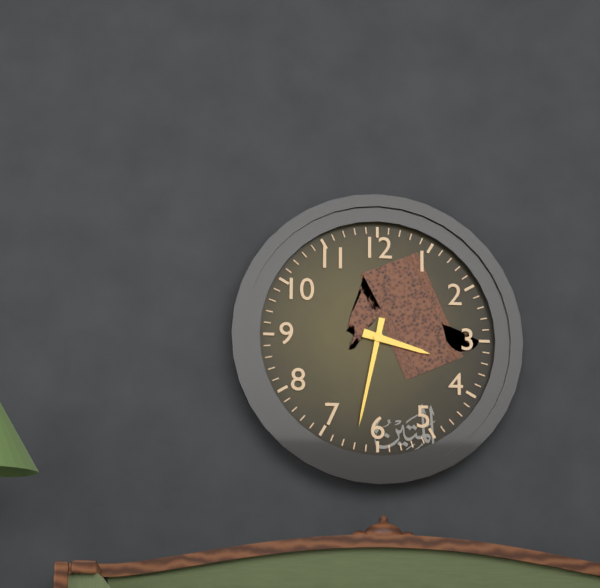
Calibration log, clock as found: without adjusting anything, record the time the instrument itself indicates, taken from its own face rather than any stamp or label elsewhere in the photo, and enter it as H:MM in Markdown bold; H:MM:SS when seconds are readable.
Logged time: **3:32**
